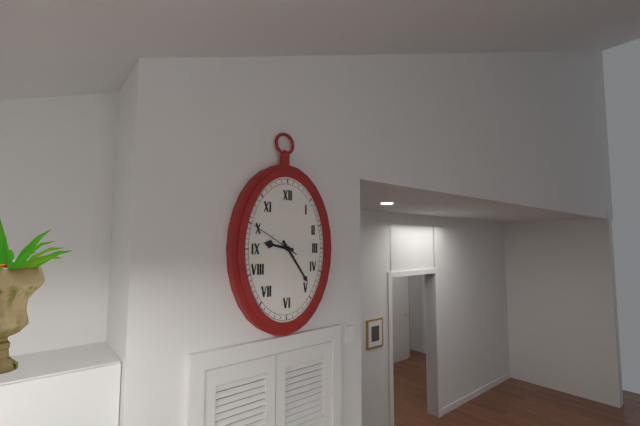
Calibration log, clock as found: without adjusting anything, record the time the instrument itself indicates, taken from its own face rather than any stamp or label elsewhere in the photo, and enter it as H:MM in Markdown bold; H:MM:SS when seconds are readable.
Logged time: **9:24:50**
